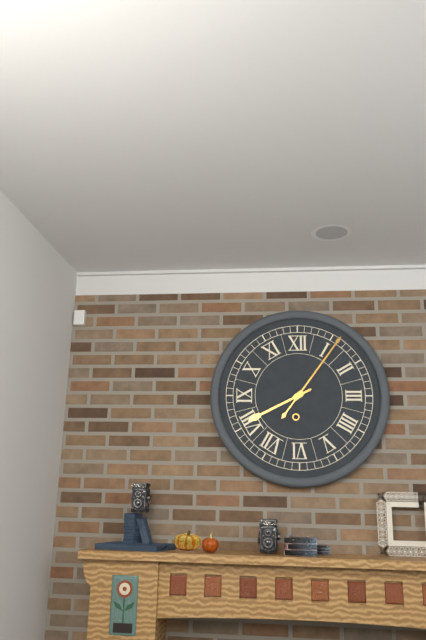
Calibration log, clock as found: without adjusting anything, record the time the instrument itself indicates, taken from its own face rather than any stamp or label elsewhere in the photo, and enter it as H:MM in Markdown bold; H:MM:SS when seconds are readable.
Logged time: **8:06**
